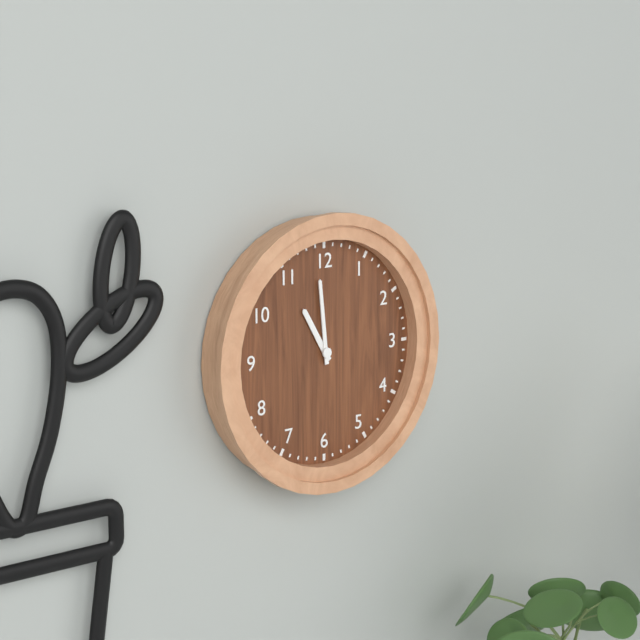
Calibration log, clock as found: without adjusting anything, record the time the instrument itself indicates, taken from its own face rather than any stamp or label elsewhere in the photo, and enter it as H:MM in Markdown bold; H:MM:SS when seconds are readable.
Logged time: **10:59**
